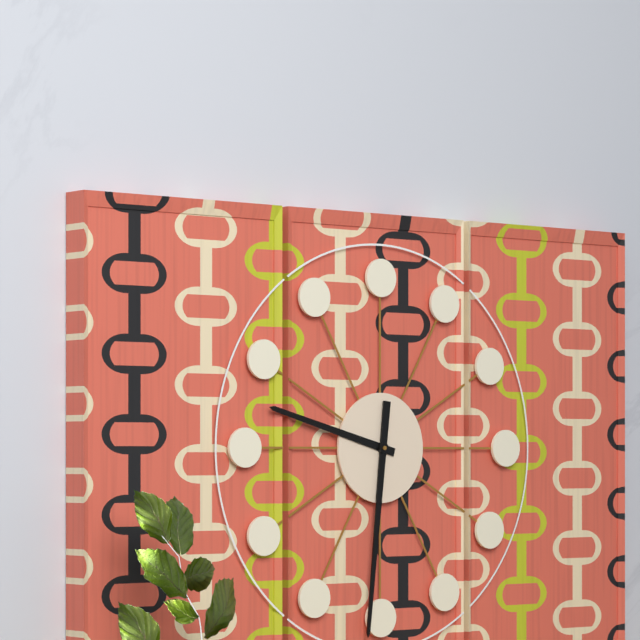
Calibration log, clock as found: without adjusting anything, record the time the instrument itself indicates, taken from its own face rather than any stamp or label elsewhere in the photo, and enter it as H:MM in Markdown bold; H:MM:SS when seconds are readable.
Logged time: **9:31**
